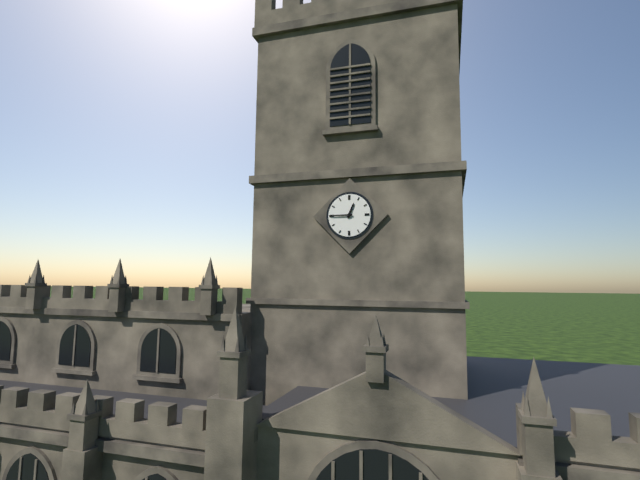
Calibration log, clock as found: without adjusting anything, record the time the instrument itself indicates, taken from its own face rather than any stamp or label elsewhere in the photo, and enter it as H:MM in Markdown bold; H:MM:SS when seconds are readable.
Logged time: **12:45**
